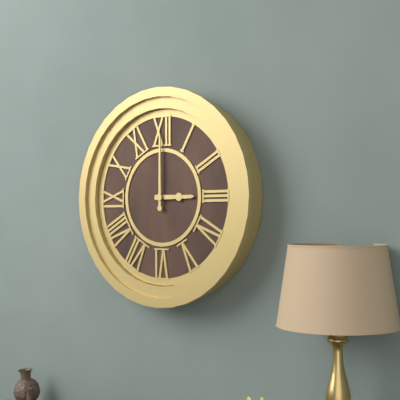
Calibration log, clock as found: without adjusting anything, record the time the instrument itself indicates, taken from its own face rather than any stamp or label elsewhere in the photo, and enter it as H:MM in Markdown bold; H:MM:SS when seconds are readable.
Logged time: **3:00**
